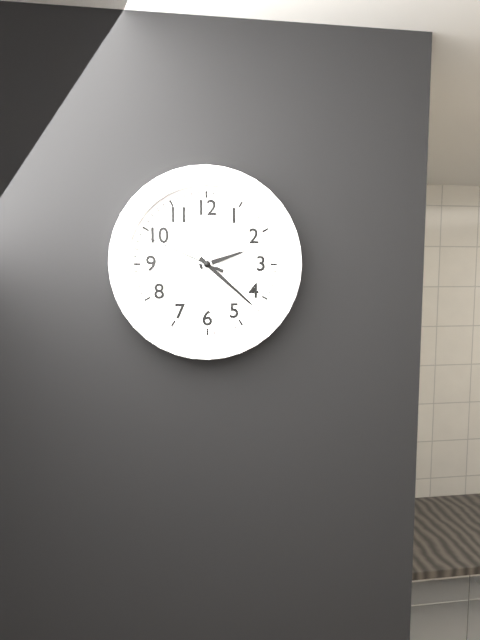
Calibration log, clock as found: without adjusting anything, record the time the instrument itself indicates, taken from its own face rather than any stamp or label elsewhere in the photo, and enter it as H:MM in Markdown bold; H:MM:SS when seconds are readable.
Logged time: **2:22:49**
